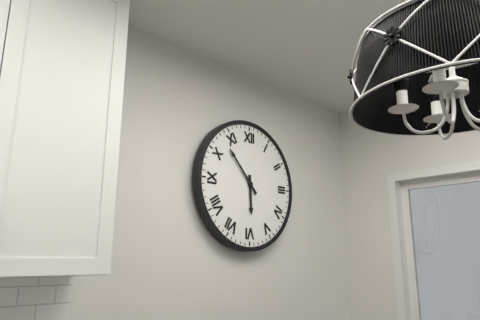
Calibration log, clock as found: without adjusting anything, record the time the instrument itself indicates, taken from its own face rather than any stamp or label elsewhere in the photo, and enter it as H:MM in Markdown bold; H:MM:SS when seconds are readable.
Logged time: **5:53**
